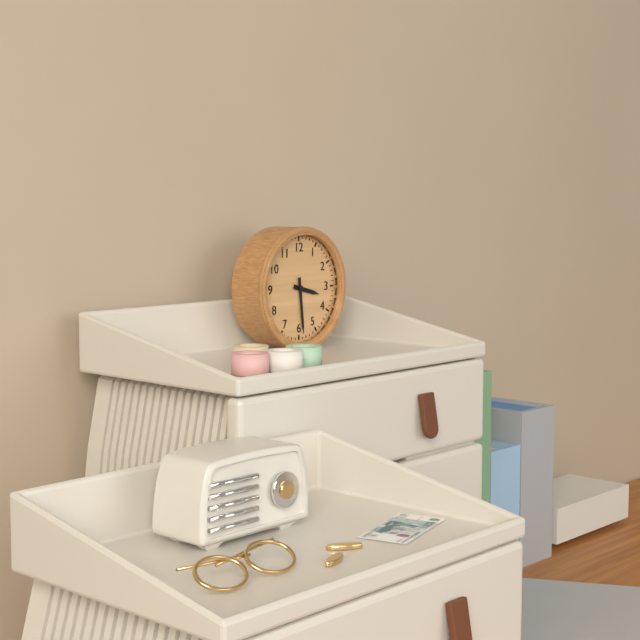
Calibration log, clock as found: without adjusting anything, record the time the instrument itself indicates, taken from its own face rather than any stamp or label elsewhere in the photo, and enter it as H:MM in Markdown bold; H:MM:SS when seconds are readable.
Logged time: **3:29**
